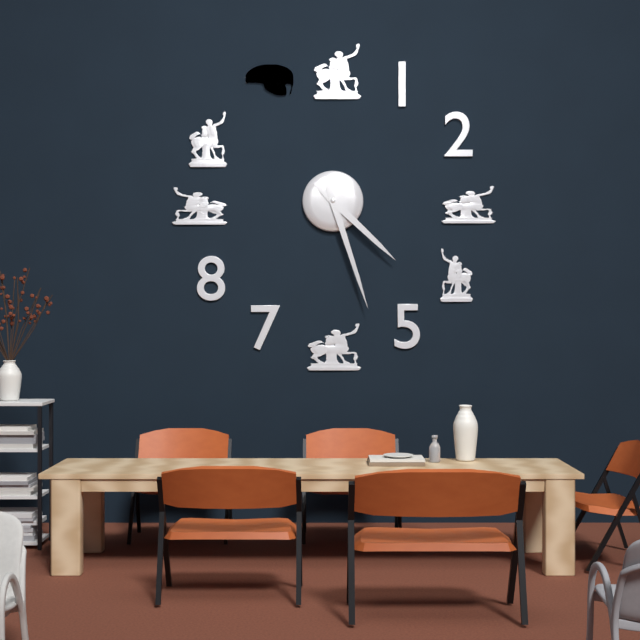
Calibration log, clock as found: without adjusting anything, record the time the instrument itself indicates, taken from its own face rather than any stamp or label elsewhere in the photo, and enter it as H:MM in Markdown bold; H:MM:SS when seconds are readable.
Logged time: **4:27**
